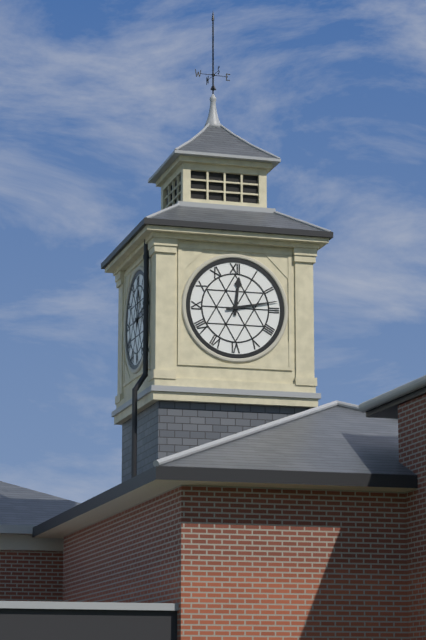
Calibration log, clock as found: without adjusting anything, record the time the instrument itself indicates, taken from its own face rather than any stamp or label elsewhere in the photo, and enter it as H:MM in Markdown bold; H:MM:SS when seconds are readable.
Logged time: **12:13**
